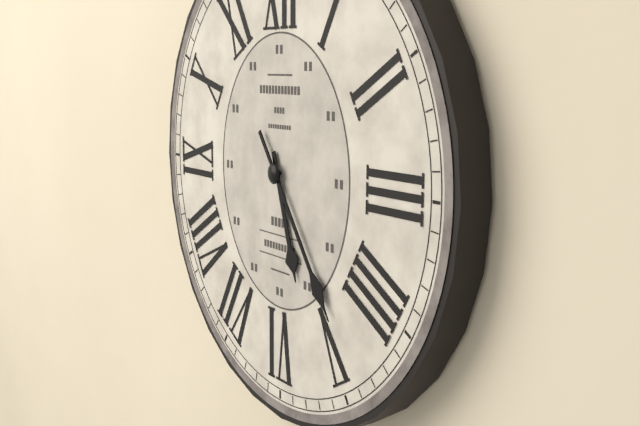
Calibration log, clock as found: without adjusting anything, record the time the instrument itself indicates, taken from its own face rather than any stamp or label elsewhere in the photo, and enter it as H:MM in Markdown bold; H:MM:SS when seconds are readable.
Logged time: **5:24**
